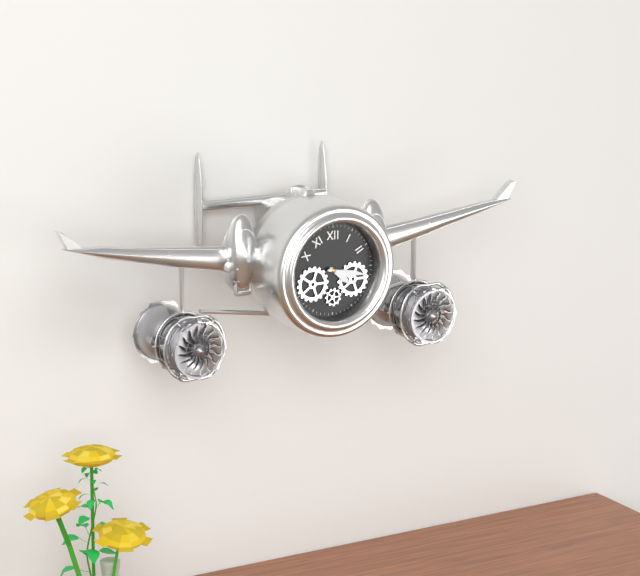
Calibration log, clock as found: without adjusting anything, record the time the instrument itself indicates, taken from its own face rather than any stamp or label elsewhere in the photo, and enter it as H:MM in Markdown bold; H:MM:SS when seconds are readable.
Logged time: **4:17**
